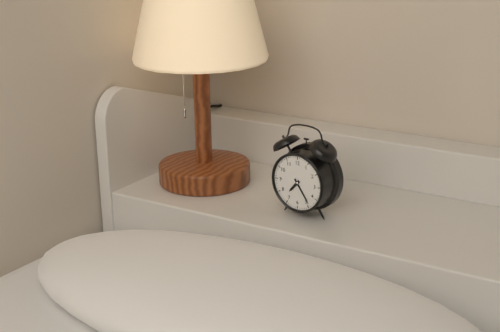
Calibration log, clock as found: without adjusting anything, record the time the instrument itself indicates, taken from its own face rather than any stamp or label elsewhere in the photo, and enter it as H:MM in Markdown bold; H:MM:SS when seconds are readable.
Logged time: **7:24**
